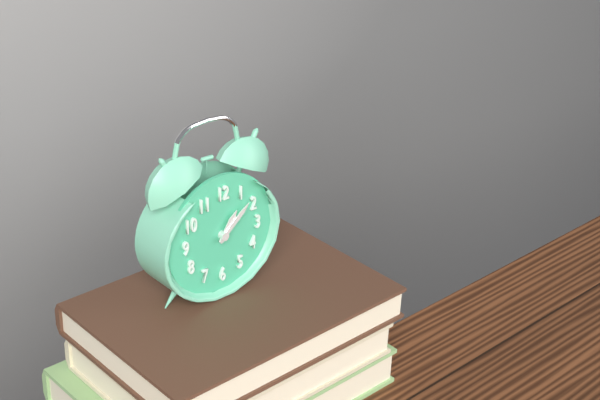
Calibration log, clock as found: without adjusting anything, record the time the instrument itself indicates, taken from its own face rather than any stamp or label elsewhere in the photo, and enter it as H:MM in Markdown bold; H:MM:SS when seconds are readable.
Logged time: **1:08**
